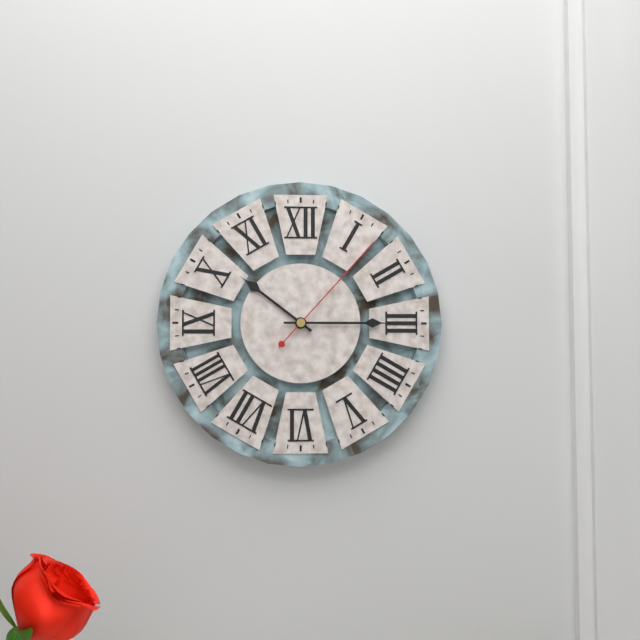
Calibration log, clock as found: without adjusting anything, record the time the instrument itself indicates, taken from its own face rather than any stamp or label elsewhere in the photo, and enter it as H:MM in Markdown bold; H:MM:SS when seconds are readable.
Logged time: **10:15:07**
